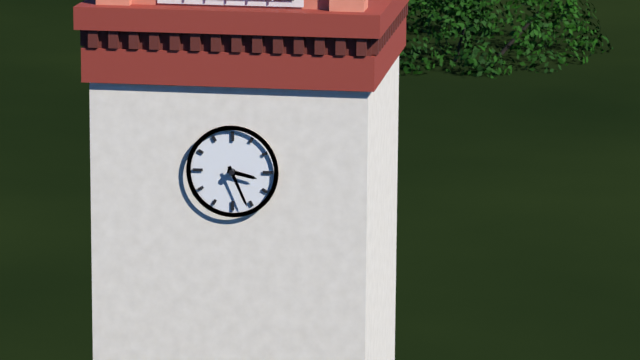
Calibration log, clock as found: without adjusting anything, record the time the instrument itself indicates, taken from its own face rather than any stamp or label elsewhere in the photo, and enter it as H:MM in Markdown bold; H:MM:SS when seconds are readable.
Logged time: **3:26**
